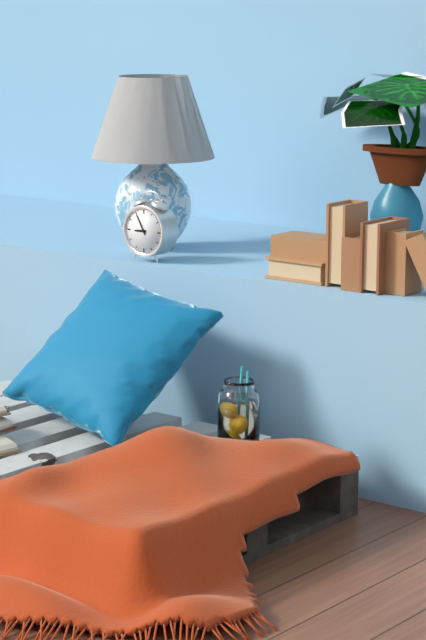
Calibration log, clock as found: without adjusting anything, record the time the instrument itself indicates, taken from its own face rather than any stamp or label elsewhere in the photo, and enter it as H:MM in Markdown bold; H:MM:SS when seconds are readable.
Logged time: **8:55**
